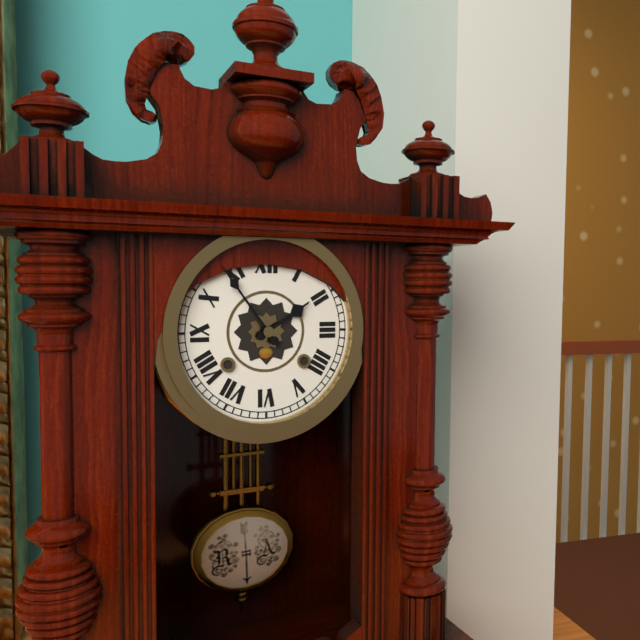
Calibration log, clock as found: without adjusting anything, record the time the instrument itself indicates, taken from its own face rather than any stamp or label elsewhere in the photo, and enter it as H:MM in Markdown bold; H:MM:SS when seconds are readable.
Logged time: **1:54**
